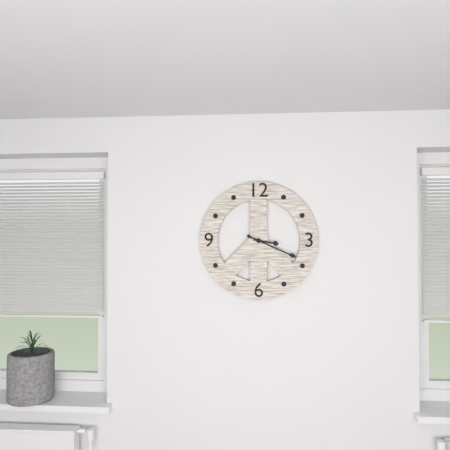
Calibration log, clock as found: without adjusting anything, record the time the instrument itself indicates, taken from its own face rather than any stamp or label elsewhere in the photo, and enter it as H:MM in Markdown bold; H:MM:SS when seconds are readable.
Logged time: **3:19**
